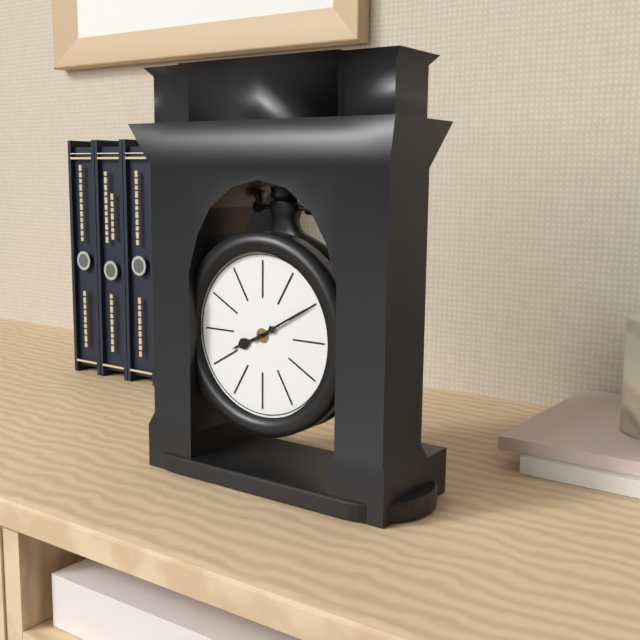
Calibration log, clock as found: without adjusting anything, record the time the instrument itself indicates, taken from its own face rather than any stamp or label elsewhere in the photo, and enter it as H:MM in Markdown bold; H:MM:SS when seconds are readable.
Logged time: **8:10**
